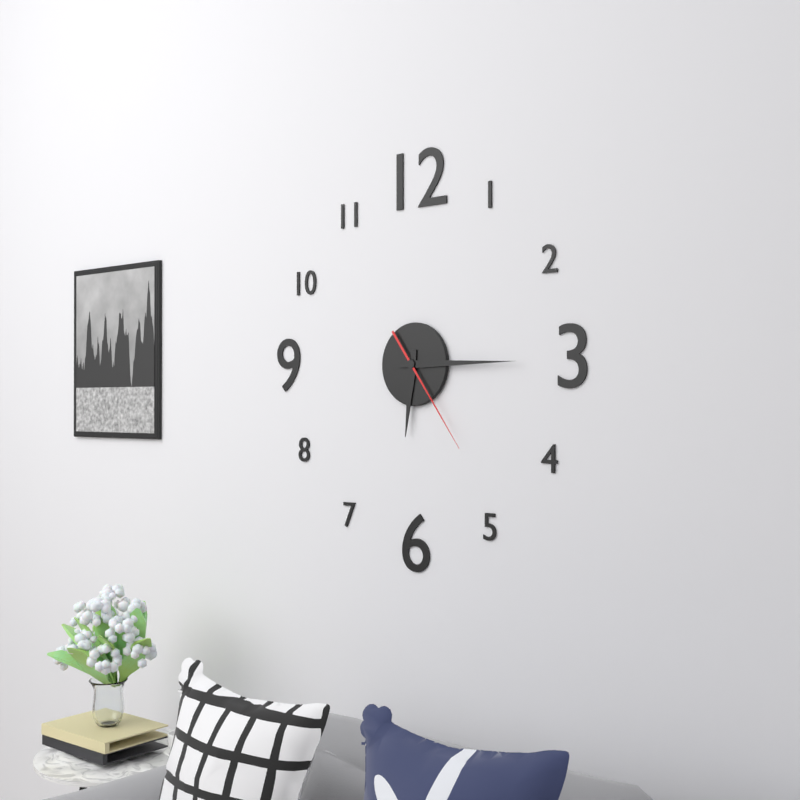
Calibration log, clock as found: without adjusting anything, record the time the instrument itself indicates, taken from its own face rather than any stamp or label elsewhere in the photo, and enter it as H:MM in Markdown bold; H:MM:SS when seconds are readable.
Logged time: **6:15:24**
